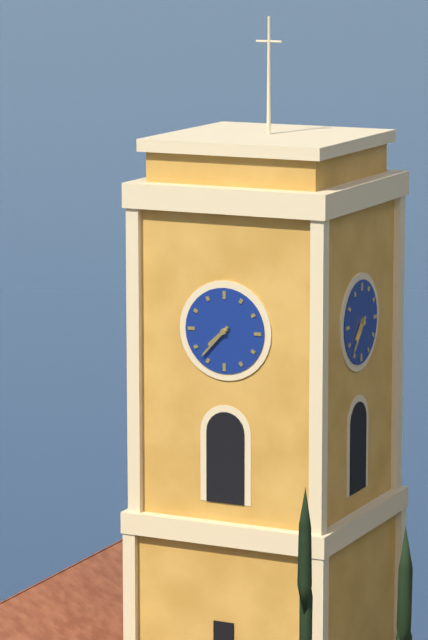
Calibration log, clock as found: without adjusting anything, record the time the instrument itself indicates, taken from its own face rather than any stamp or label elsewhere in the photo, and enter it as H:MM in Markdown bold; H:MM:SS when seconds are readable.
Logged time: **7:37**
